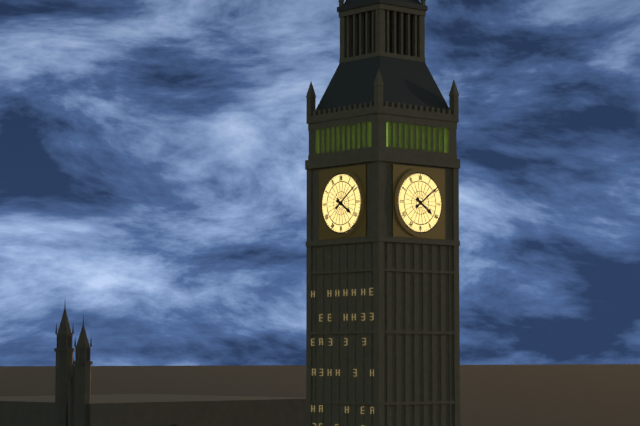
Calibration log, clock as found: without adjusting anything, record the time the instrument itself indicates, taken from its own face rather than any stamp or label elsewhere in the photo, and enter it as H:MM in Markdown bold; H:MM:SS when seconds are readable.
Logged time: **4:09**
